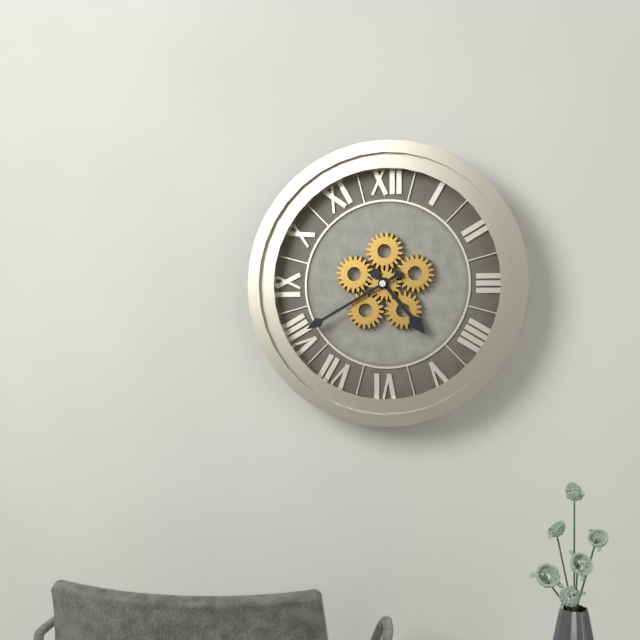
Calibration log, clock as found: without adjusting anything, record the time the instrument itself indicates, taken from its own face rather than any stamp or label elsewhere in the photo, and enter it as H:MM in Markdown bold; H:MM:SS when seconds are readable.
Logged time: **4:40**
